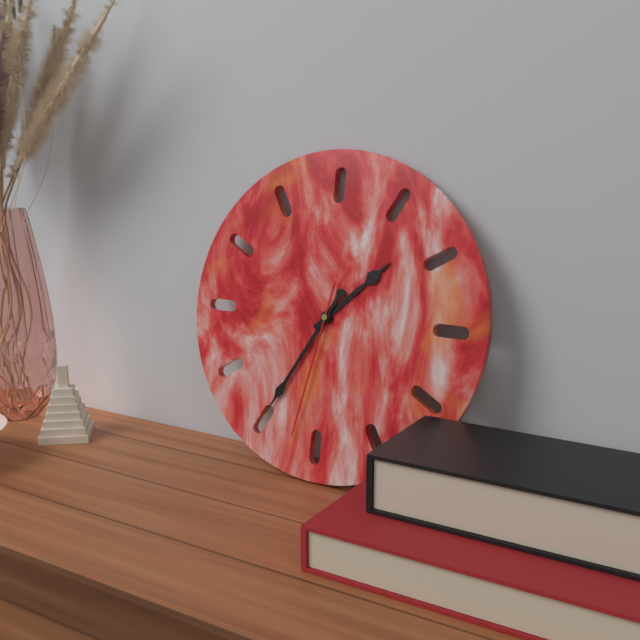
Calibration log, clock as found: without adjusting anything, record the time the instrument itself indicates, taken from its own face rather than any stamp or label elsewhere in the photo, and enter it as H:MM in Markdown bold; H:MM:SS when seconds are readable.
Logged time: **1:35:32**
